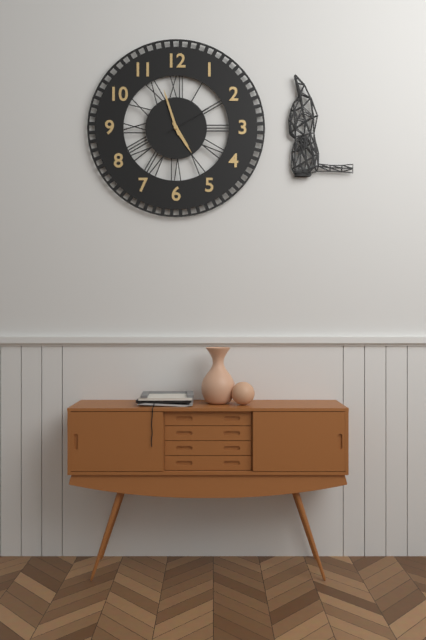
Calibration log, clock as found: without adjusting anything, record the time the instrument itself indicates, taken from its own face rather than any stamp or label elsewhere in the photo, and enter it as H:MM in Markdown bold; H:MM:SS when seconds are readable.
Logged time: **4:57**
